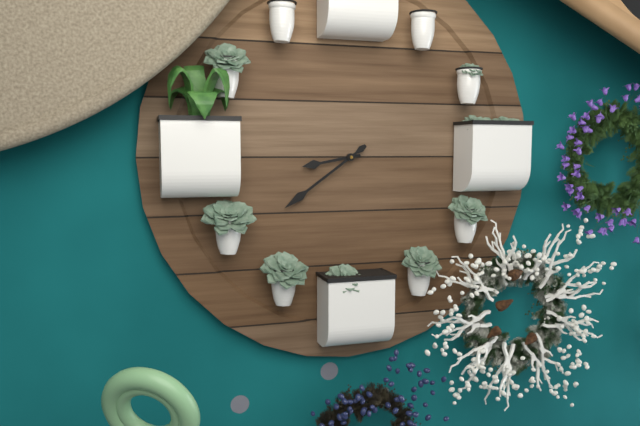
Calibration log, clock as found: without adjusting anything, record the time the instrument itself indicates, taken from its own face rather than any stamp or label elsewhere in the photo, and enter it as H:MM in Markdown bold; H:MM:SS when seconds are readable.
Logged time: **8:39**
